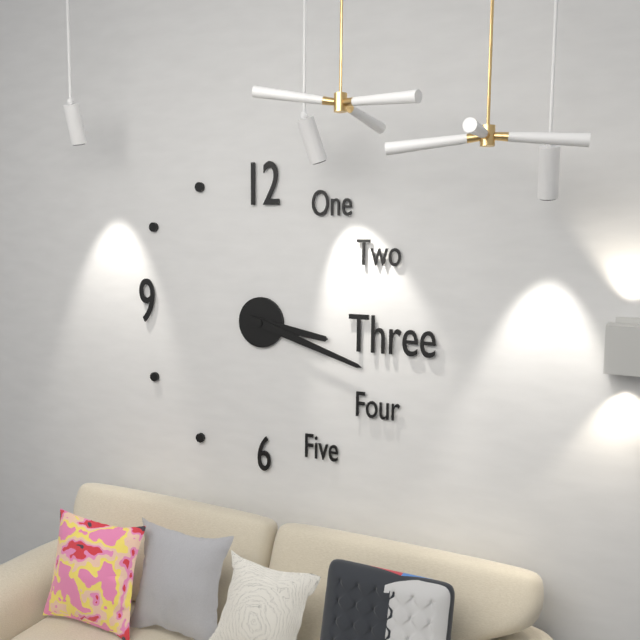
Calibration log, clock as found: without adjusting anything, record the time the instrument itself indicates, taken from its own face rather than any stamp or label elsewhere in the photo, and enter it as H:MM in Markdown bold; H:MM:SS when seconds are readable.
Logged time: **3:18**
